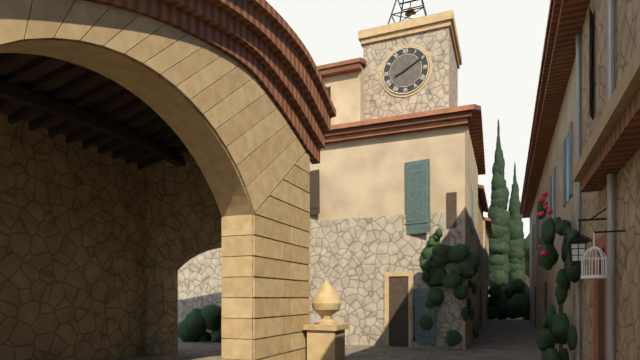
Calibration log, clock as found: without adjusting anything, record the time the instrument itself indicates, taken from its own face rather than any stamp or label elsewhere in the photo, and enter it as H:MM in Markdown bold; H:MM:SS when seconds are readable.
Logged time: **8:10**
